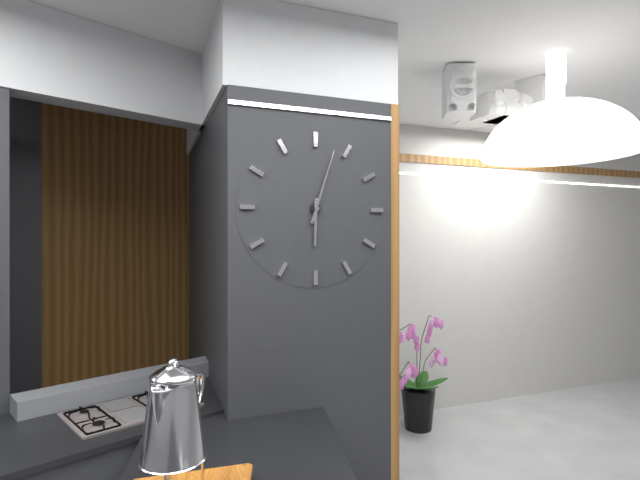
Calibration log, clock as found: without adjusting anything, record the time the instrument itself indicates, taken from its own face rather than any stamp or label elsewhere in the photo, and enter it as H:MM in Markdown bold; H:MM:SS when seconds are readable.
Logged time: **6:03**
